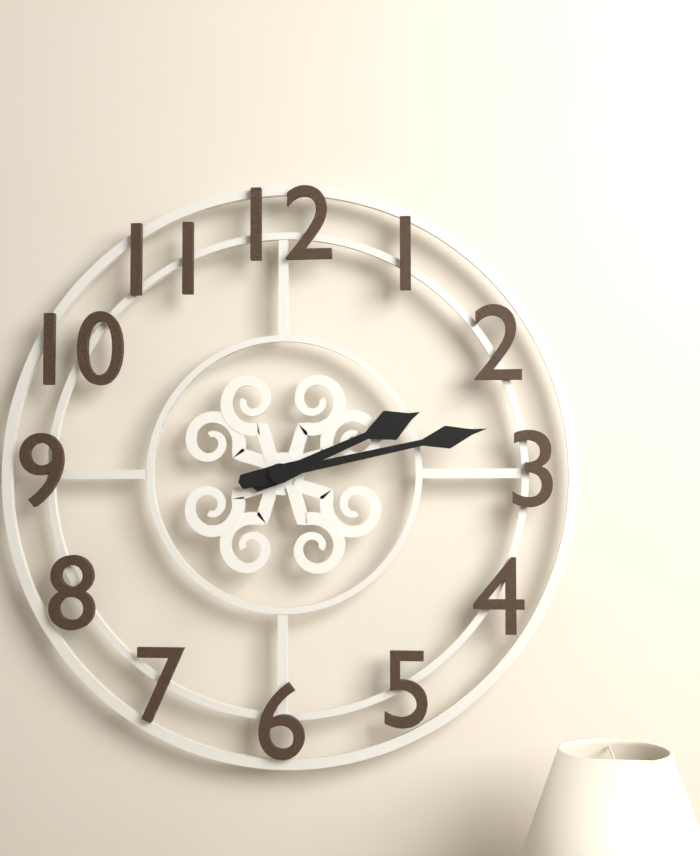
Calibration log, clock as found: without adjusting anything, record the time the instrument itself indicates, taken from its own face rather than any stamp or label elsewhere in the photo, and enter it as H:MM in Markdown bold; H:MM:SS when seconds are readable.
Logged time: **2:13**
